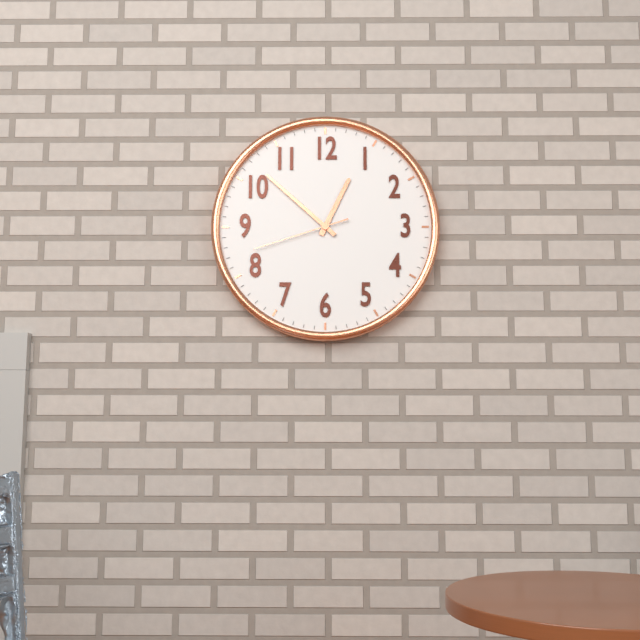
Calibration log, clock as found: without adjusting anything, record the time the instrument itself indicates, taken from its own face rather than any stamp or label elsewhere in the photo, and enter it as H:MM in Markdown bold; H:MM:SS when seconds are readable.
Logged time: **12:52:42**
